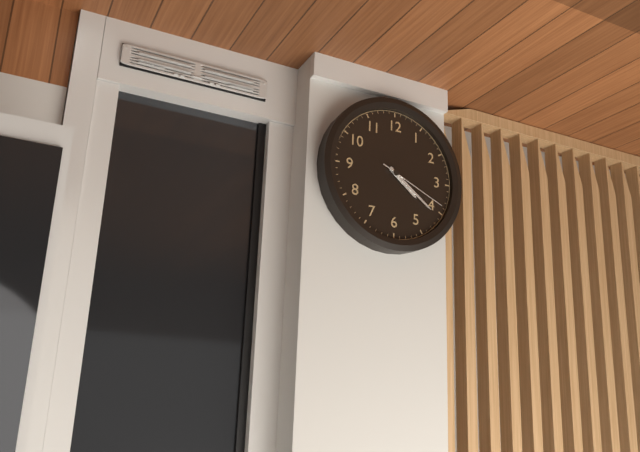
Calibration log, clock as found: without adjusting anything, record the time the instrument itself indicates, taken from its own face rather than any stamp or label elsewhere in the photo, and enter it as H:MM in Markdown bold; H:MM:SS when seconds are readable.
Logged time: **4:21:19**
